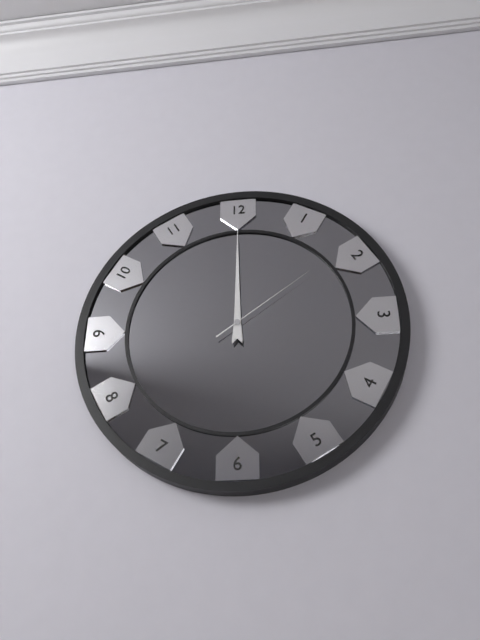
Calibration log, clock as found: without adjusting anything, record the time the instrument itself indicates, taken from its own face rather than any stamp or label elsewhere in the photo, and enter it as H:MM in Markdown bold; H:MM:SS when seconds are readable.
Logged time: **12:00:09**
